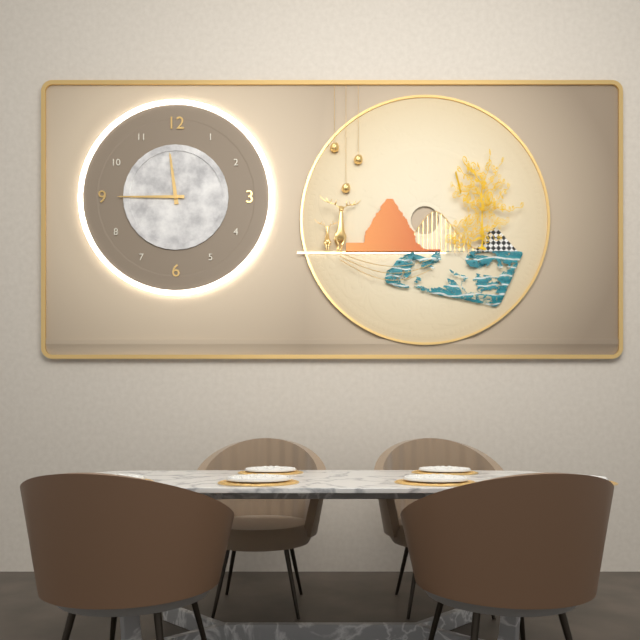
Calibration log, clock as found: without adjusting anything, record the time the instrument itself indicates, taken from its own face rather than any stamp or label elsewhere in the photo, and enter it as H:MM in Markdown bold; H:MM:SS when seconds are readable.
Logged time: **11:45**
